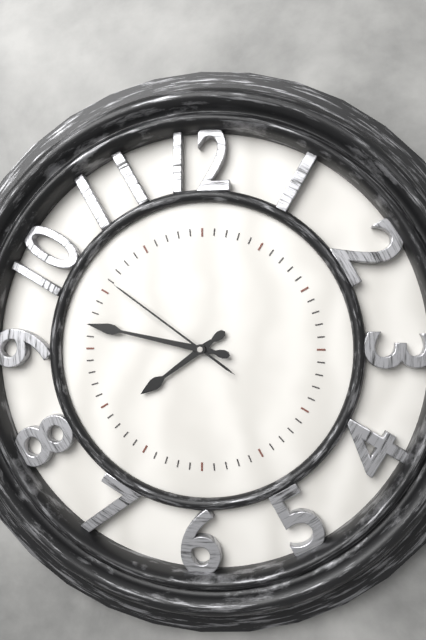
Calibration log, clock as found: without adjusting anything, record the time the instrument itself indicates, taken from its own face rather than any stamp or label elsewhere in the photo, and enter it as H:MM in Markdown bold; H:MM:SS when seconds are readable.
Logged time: **7:47:51**
